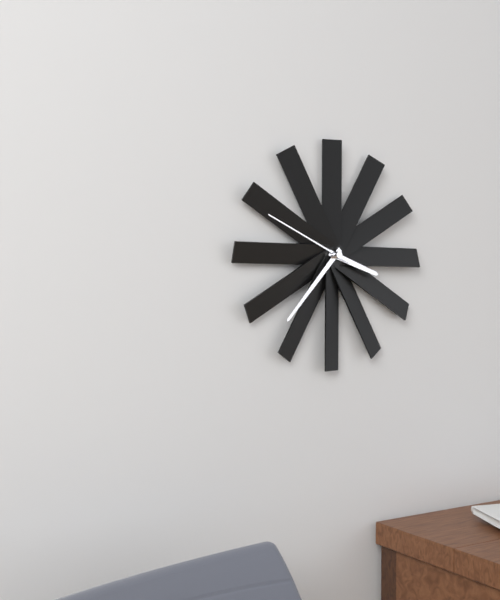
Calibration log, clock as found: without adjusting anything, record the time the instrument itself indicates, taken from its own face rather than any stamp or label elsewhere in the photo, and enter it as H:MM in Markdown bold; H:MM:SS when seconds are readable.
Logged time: **3:37:49**
